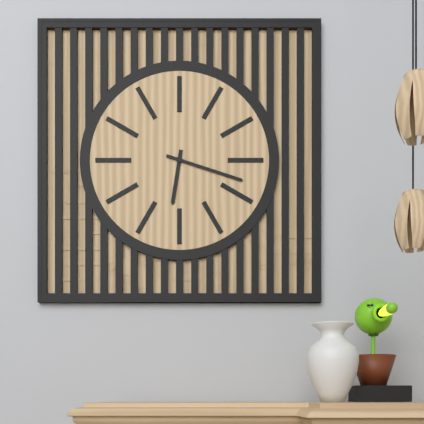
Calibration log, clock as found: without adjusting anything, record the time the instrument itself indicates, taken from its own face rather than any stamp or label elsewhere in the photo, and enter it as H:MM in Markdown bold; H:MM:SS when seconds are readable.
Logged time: **6:18**
